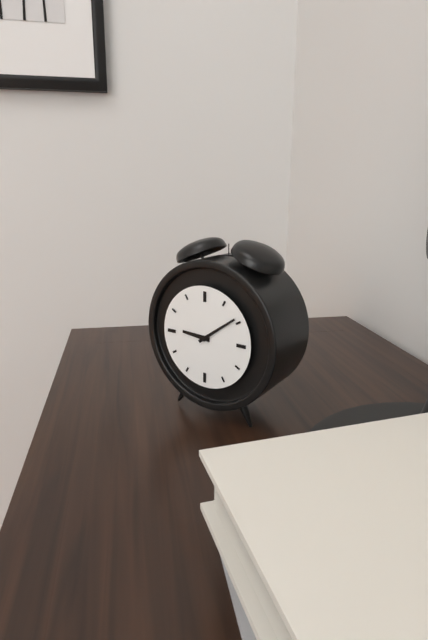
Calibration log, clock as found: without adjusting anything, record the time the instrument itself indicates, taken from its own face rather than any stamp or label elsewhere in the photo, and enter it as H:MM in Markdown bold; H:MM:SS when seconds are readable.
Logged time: **9:09**
